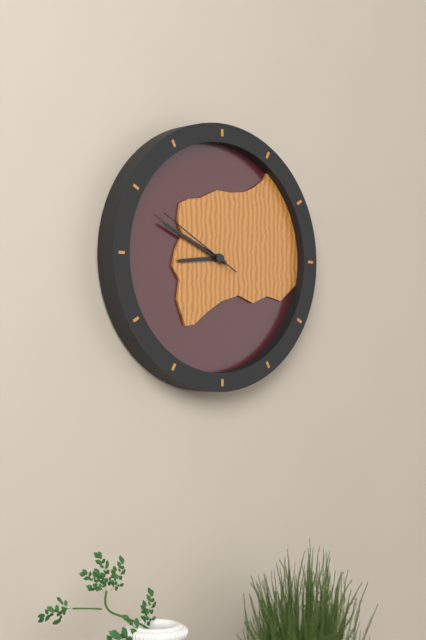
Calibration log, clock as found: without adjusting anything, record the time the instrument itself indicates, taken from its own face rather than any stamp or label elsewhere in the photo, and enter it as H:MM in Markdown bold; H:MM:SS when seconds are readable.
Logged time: **8:49:50**
